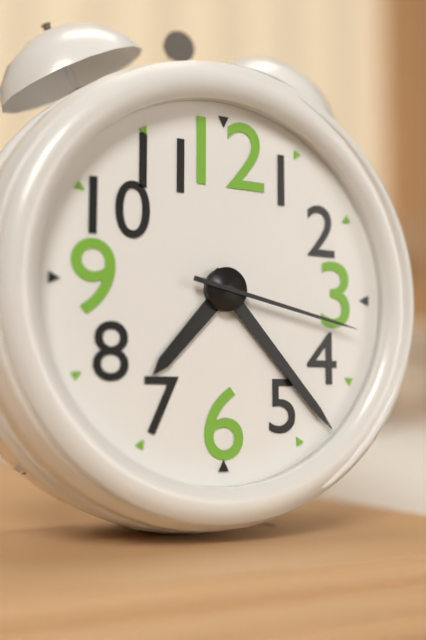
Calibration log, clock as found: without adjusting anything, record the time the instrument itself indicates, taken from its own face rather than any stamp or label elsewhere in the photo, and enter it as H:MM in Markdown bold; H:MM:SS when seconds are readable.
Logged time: **7:23:17**
